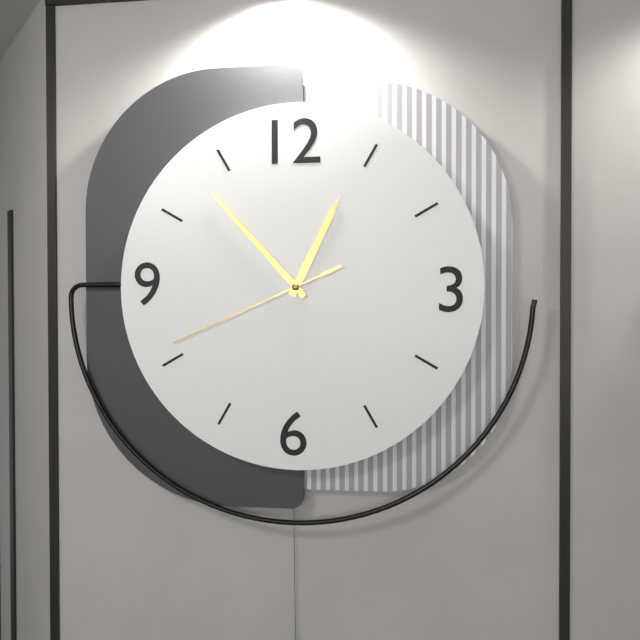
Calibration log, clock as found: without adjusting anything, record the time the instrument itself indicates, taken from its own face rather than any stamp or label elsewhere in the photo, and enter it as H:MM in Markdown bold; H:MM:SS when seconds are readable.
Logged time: **12:53:41**
